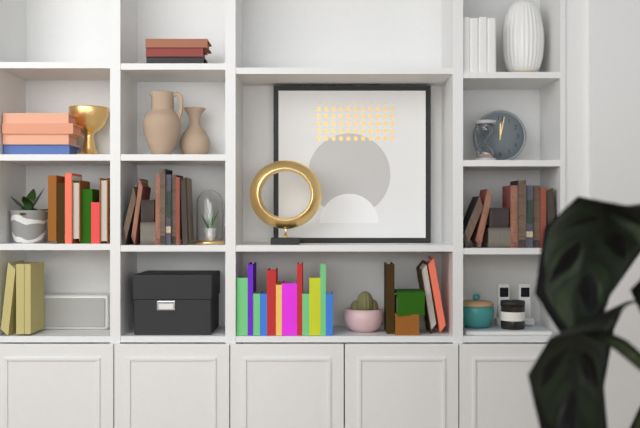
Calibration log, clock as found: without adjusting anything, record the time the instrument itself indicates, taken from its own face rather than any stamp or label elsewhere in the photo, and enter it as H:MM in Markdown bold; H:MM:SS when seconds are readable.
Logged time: **12:02**
